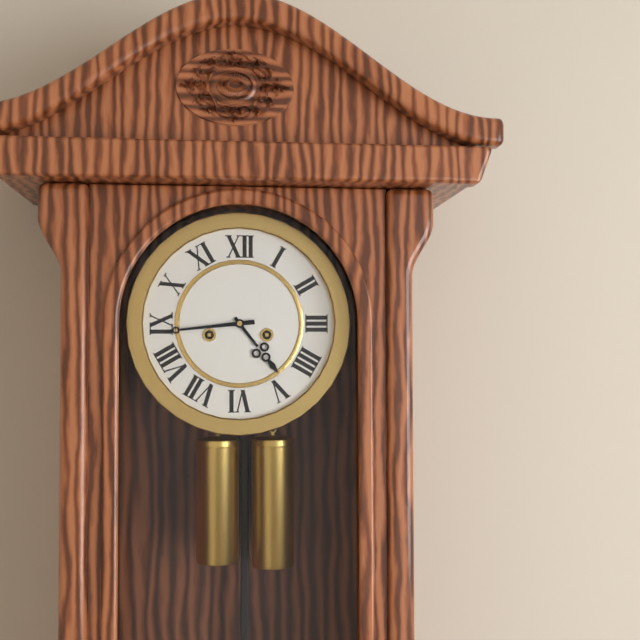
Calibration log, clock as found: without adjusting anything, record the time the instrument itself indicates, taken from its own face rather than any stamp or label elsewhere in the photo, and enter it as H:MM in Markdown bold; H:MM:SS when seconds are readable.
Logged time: **4:44**
